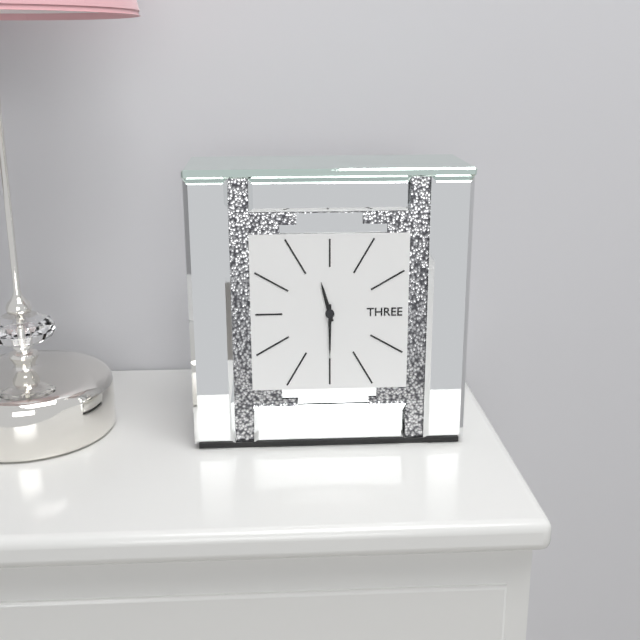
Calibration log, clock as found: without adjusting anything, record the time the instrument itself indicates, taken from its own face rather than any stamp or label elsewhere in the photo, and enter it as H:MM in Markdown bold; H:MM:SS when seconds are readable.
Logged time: **11:30**
